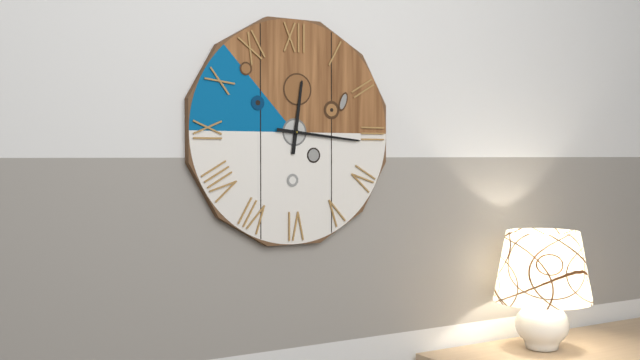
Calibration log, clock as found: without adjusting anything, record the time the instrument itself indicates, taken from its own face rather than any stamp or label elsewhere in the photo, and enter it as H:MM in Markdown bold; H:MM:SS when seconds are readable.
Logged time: **12:16**
